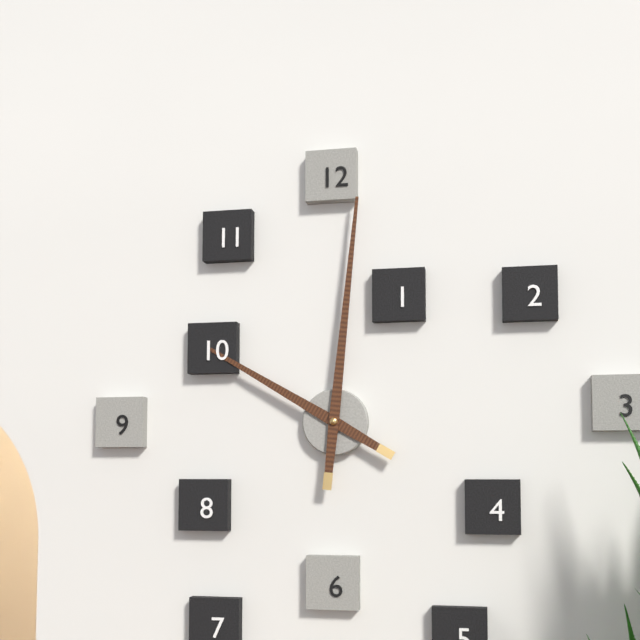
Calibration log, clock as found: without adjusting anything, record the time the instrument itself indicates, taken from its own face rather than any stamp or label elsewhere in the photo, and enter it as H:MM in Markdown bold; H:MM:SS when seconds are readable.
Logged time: **10:01**
